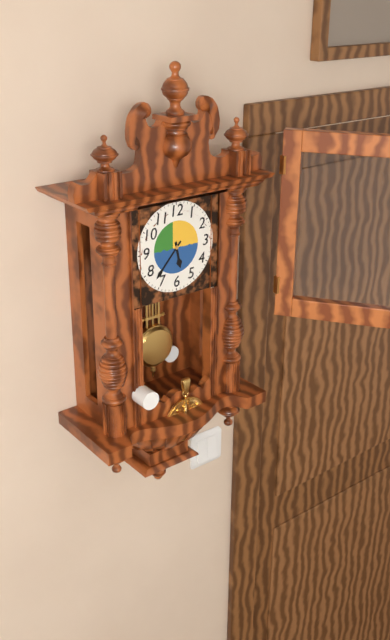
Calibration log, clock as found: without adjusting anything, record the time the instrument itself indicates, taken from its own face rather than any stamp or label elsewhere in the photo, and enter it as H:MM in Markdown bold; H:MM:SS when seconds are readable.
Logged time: **5:37**
